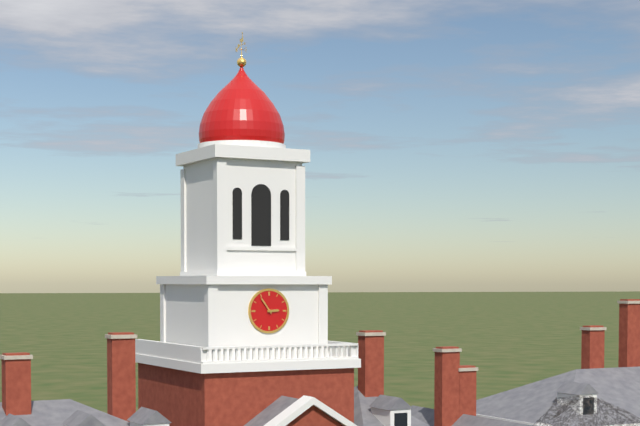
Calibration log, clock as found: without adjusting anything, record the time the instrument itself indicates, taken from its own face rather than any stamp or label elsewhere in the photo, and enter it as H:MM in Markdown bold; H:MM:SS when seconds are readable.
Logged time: **2:54**
